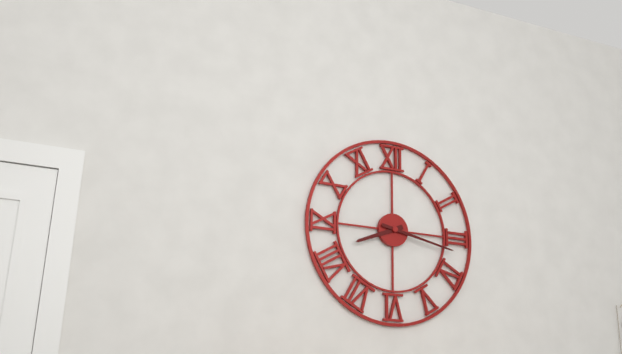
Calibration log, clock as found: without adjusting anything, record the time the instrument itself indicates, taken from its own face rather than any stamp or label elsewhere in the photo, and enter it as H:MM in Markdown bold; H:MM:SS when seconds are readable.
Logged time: **8:17**
